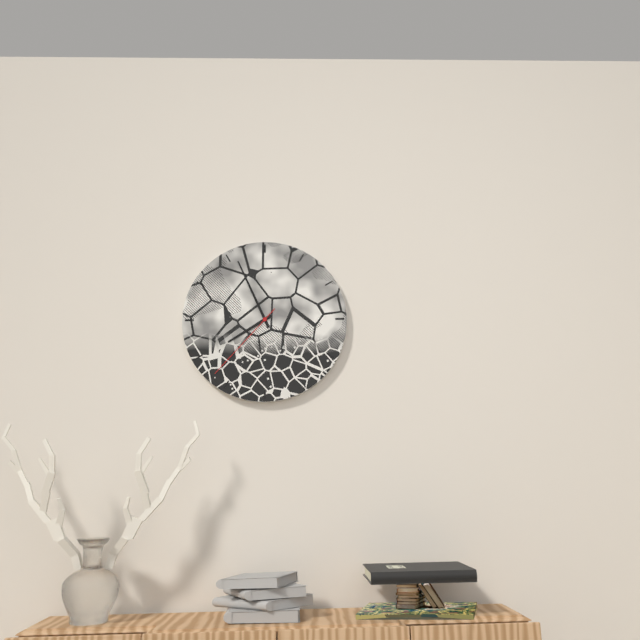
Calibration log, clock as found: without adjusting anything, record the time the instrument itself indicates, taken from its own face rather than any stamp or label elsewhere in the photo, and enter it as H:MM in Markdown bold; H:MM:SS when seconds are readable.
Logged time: **7:56:37**
